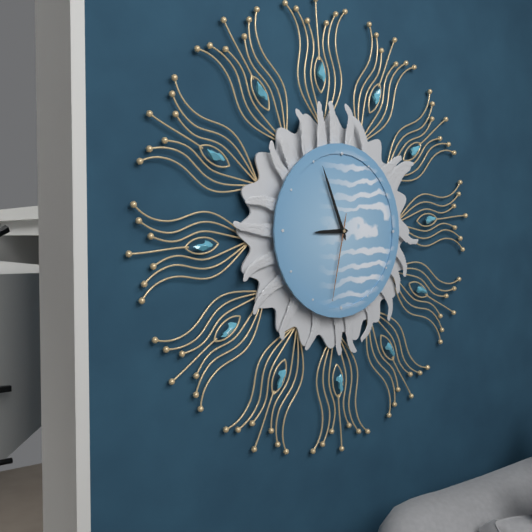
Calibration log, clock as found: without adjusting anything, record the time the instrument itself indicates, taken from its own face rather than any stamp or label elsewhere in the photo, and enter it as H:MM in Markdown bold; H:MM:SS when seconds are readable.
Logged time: **8:56:32**
